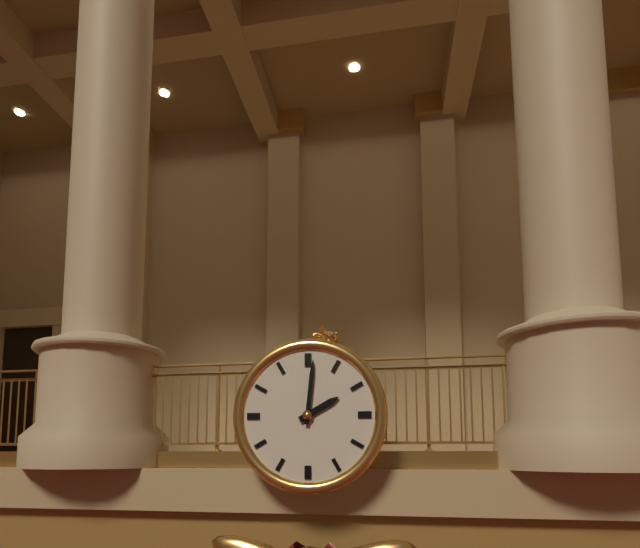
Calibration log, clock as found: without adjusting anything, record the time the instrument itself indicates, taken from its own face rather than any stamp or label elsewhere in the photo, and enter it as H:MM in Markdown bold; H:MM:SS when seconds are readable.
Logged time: **2:01**
